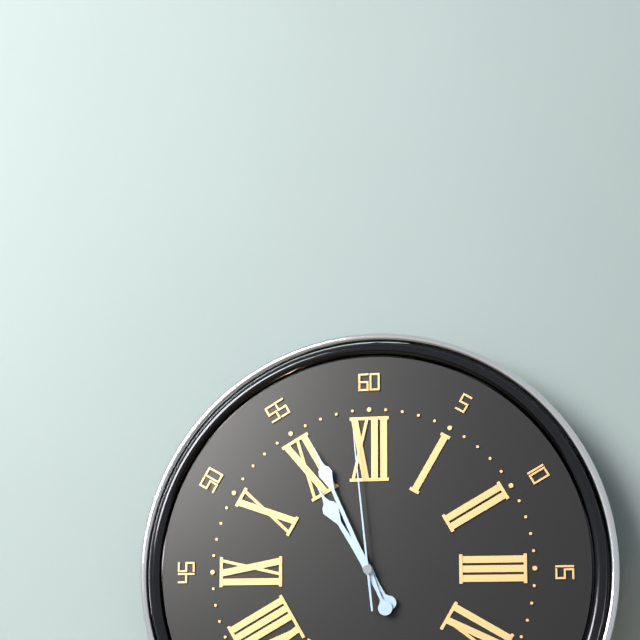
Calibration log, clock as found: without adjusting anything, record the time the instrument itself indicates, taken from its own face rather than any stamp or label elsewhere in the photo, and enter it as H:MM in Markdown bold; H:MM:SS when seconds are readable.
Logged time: **10:56:59**
